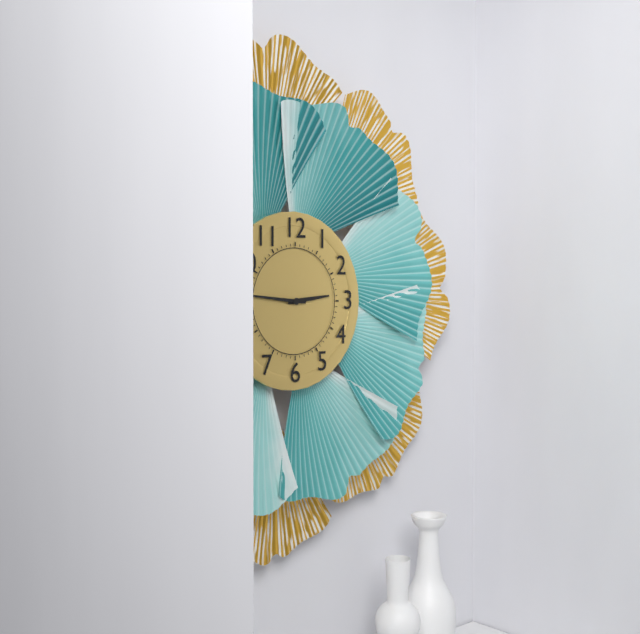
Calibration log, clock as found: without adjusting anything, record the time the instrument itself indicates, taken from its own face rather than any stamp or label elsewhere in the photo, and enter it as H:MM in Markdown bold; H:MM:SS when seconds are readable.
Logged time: **2:46**
